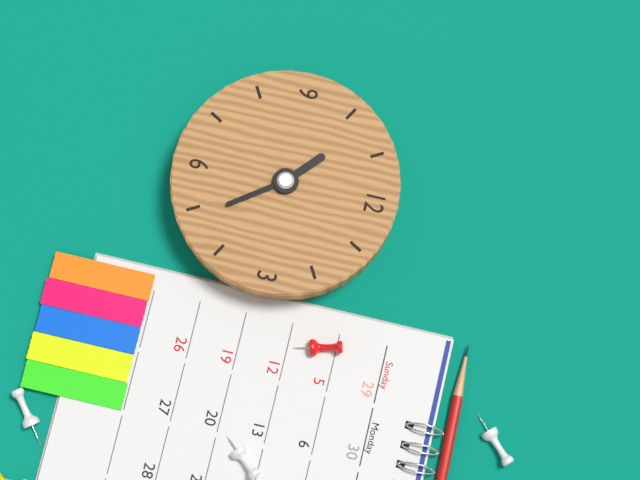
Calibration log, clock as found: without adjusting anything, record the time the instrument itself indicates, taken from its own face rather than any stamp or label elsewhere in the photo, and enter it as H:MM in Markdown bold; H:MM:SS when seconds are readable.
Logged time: **10:24**
